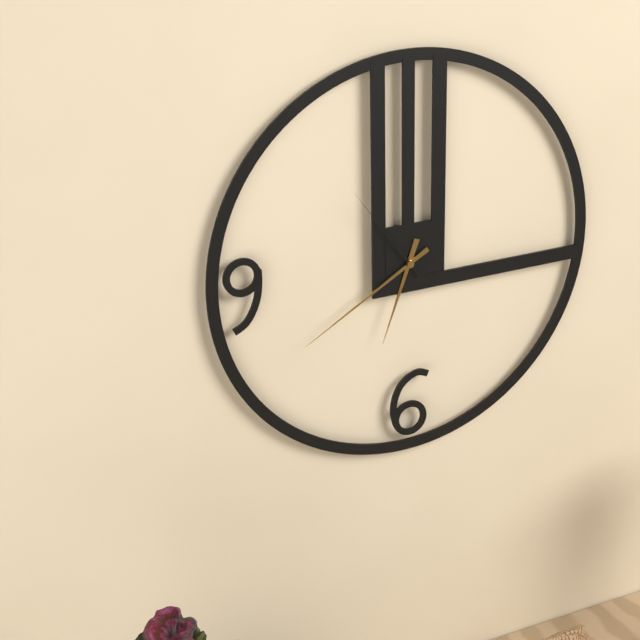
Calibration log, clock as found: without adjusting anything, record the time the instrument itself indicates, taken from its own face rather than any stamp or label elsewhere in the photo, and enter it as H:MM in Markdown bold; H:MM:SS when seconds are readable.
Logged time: **6:40:54**
